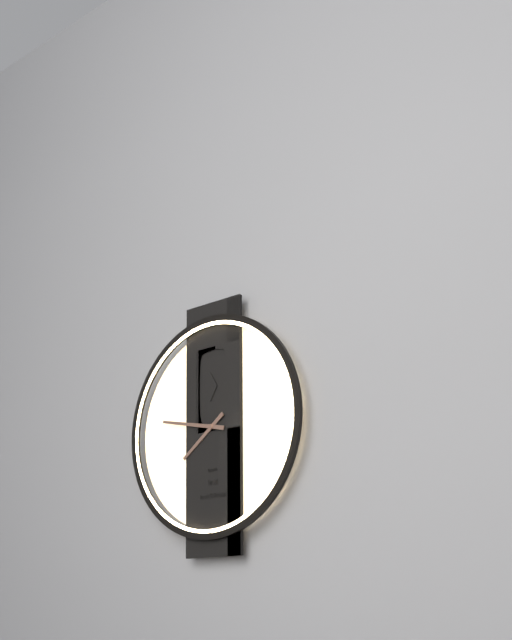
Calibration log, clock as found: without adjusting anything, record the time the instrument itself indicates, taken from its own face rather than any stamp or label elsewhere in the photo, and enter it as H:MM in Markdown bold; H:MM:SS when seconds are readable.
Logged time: **7:47**
